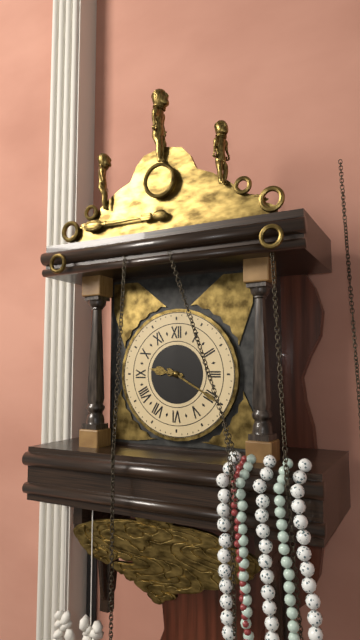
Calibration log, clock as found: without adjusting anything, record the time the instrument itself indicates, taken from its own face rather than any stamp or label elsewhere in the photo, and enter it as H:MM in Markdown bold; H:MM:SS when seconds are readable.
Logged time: **9:20**
